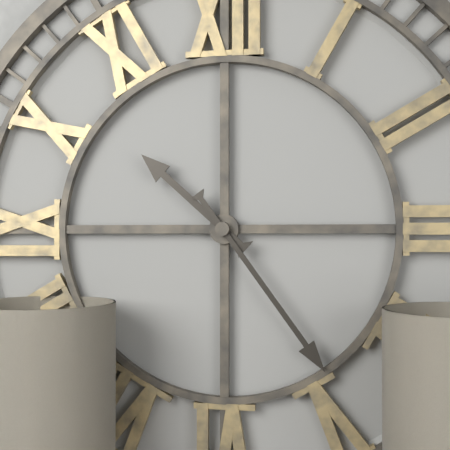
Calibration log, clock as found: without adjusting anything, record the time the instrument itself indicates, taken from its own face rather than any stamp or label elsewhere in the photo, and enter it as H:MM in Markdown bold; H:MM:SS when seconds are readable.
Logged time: **10:24**
